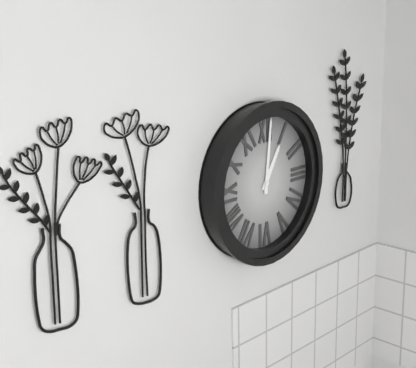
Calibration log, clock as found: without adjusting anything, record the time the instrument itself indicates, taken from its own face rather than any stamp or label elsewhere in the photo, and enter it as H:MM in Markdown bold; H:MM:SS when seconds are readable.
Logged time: **1:01**
